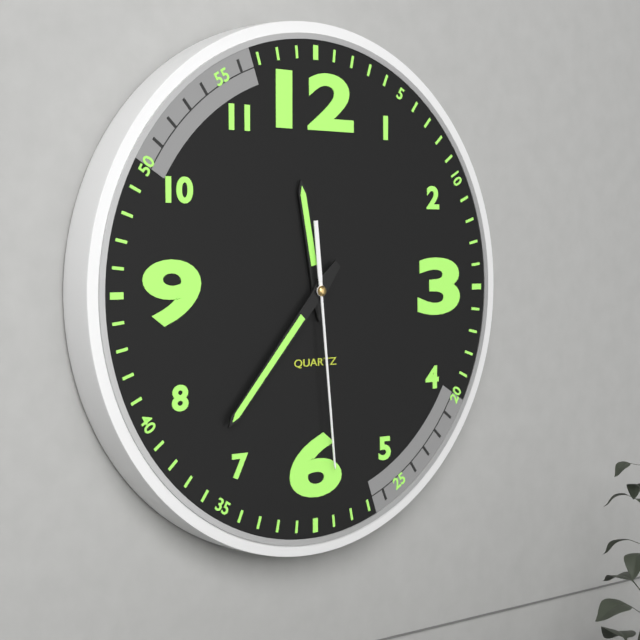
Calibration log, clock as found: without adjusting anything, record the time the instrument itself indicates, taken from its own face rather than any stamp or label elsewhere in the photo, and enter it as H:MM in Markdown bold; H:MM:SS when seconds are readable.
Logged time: **11:37:29**
